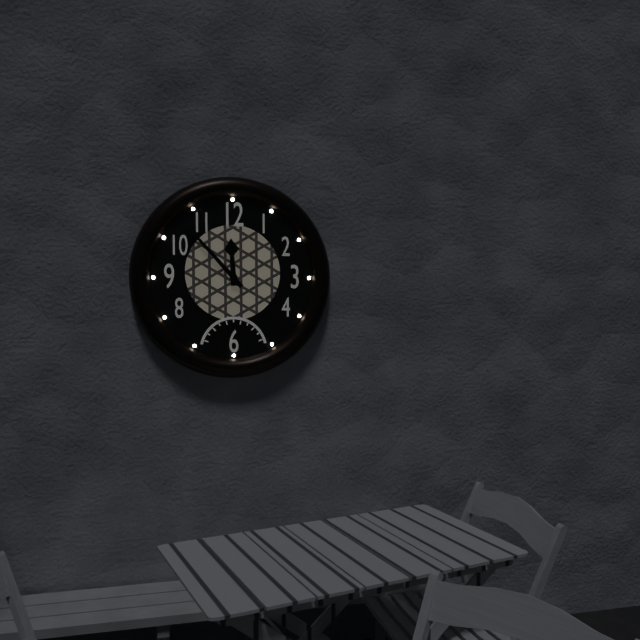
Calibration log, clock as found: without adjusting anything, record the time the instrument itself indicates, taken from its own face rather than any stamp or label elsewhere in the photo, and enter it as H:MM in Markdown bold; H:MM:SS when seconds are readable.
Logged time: **11:53**
